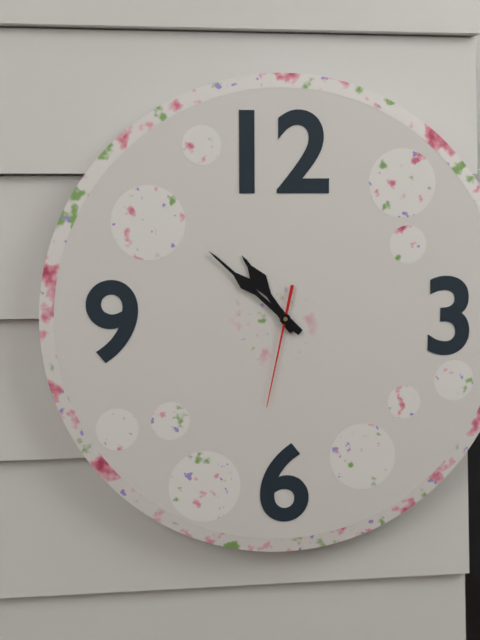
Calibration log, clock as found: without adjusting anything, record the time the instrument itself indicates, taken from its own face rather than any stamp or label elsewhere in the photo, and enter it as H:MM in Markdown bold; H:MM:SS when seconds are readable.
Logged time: **10:52:32**
